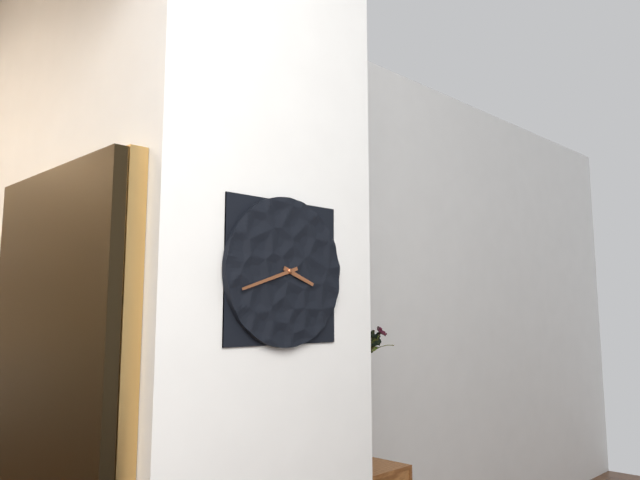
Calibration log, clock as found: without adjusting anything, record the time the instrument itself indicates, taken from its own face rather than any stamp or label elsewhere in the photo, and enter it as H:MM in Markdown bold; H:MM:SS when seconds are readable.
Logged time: **3:42**
